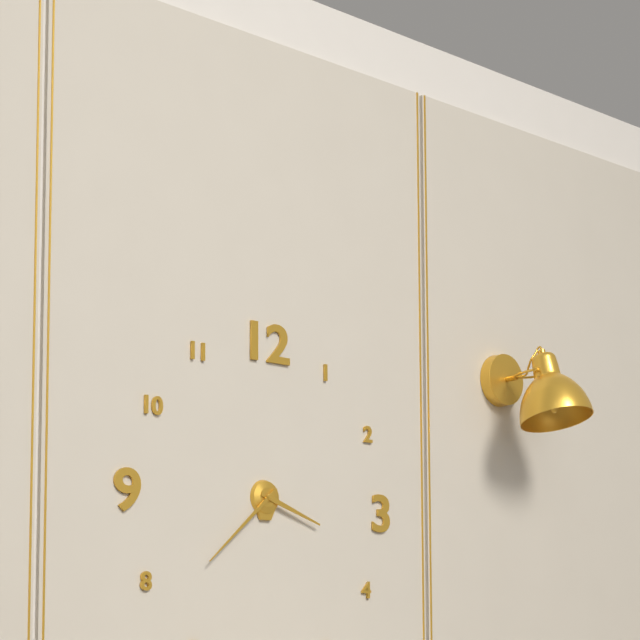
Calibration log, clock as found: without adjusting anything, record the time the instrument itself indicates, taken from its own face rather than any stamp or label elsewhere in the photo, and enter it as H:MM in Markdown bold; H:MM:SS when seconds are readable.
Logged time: **3:38**
